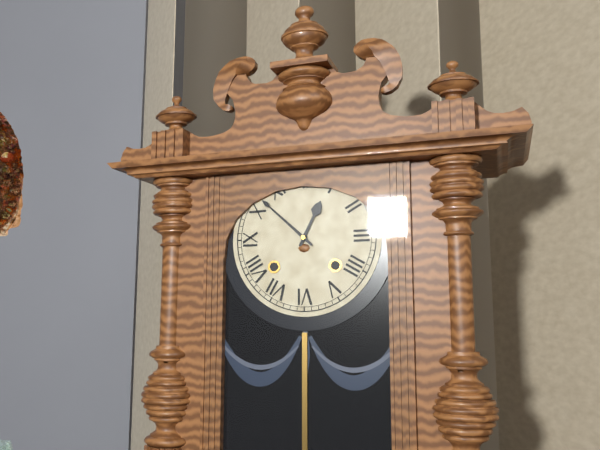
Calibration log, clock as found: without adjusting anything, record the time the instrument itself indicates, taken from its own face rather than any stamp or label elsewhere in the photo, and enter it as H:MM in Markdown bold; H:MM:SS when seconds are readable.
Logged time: **12:52**
